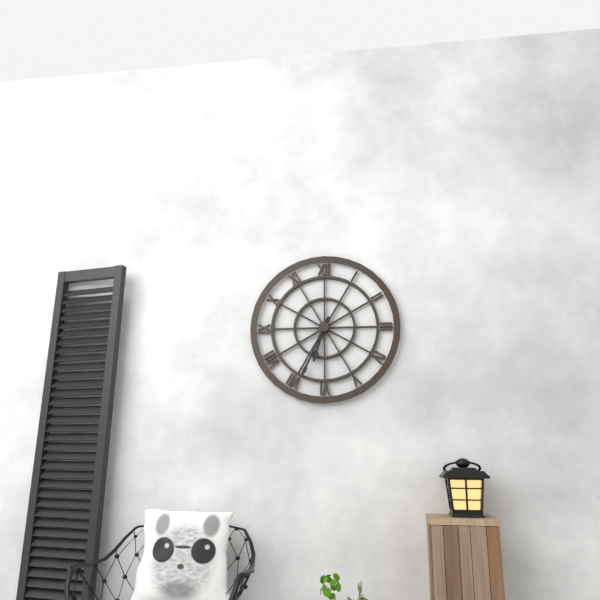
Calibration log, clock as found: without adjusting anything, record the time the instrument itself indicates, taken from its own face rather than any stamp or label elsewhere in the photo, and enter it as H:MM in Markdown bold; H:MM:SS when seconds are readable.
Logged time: **6:34**
